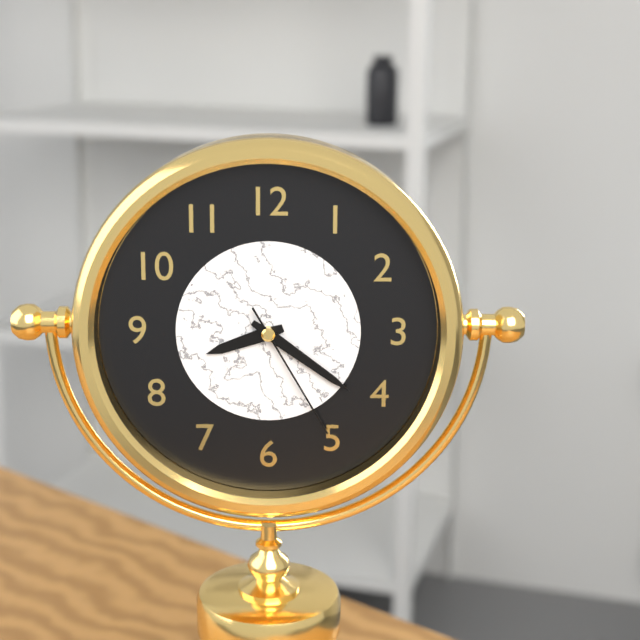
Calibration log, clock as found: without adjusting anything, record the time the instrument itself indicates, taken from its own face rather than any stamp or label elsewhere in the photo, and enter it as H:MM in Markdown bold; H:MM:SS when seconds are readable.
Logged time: **8:21:25**
